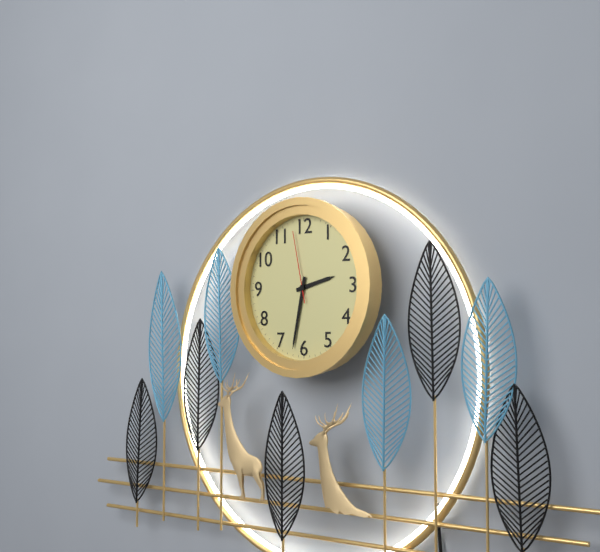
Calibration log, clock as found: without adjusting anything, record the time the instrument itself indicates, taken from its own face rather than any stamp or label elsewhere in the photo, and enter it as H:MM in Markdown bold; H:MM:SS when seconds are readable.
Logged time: **2:32:58**
